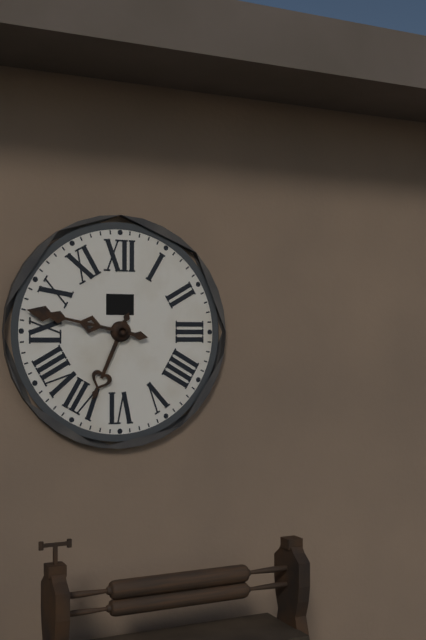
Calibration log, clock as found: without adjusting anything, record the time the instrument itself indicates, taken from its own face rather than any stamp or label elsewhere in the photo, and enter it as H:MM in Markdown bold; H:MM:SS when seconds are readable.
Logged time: **6:47**
